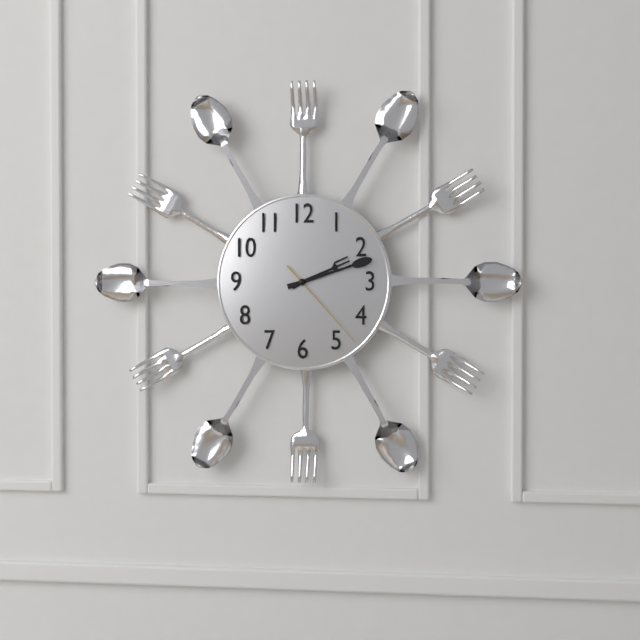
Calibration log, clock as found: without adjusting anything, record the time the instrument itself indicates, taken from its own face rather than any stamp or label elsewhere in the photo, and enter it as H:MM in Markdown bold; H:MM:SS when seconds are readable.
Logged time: **2:12:23**
